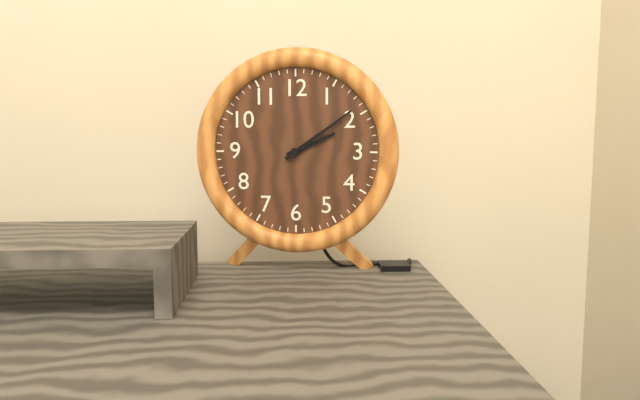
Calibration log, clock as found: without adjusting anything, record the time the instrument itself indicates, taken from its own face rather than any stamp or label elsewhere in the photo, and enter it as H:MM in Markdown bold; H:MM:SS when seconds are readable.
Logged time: **2:09**
